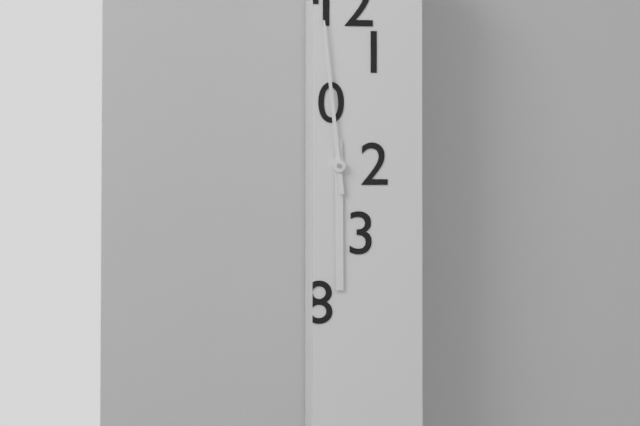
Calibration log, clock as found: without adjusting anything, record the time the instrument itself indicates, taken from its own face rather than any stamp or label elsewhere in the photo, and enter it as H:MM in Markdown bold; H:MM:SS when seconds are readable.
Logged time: **5:59**
